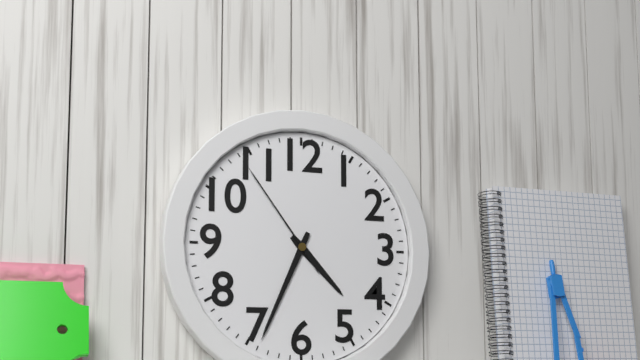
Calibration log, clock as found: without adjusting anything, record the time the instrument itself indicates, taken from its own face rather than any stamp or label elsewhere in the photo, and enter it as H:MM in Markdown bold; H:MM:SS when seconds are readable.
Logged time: **4:34:54**
